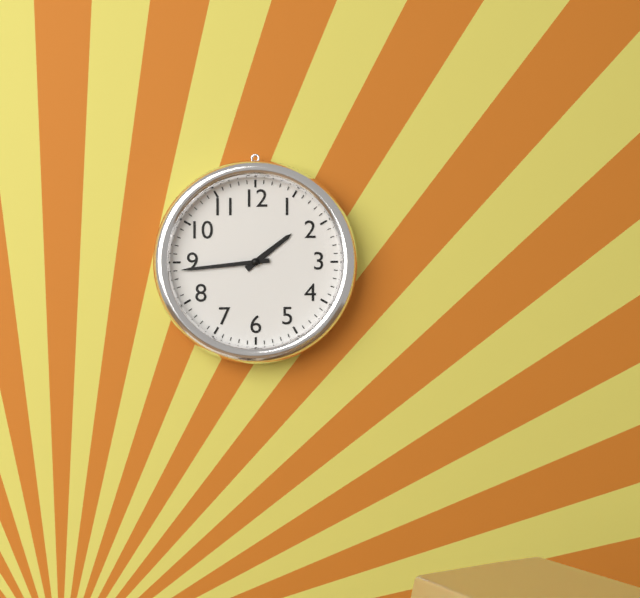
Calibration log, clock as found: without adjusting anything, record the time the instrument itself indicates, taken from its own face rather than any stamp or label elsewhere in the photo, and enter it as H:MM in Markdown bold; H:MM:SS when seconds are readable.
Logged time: **1:44**
